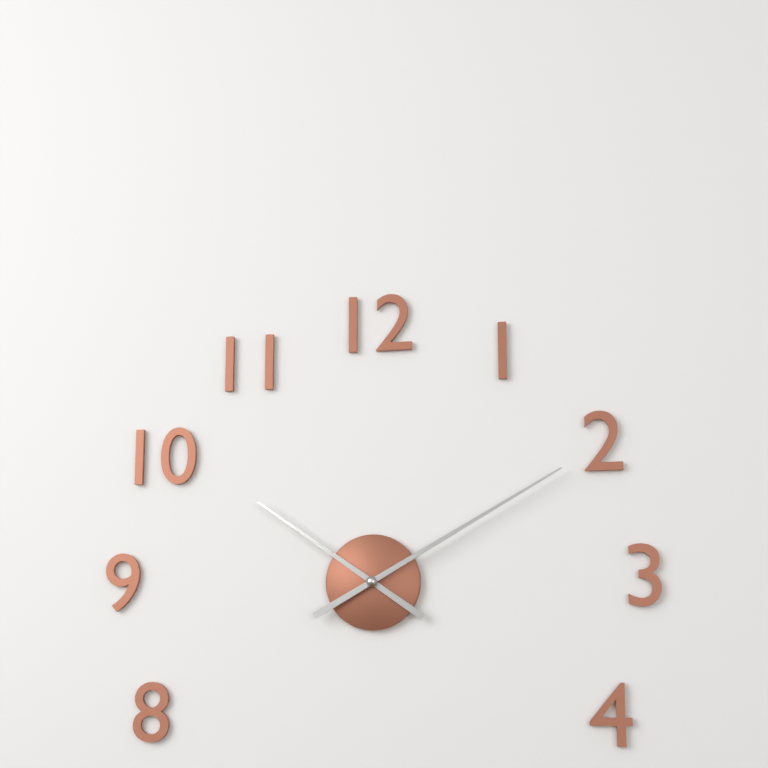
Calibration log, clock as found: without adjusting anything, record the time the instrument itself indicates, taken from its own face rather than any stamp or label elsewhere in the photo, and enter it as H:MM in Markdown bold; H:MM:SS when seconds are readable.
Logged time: **10:10**
